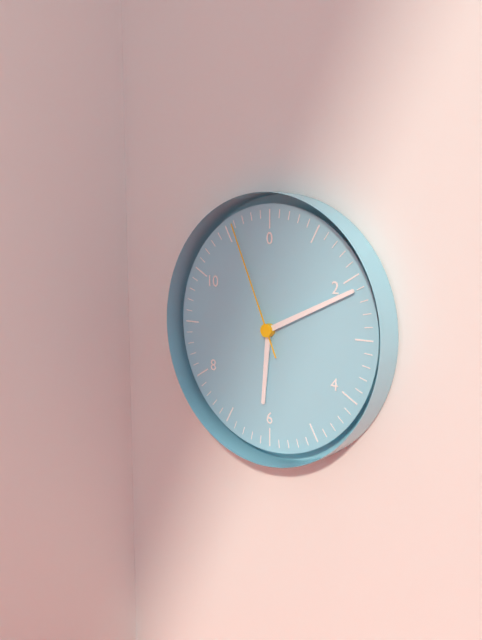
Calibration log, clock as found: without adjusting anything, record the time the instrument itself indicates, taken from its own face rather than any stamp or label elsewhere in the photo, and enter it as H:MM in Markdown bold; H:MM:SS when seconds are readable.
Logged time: **6:11:56**
